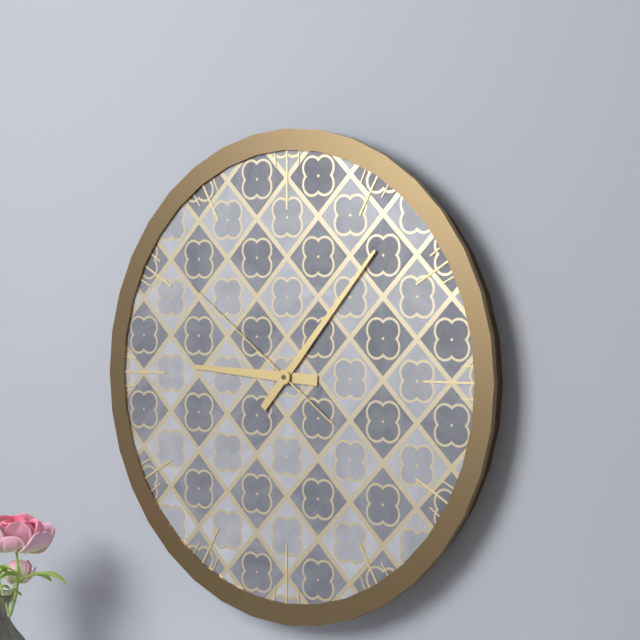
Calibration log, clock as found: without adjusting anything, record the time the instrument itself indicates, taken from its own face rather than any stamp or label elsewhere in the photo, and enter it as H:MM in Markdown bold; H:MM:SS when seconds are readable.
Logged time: **9:07:51**
